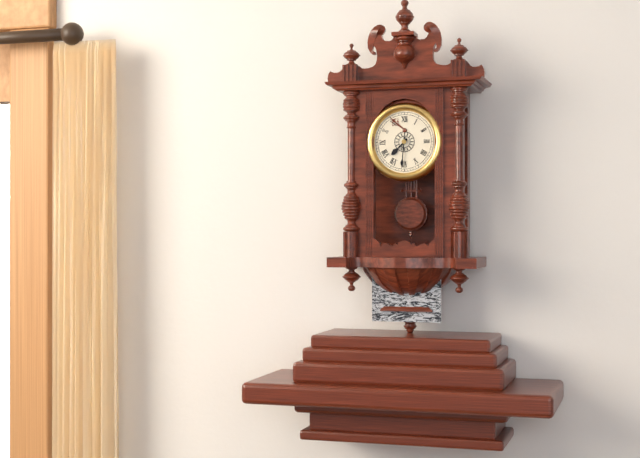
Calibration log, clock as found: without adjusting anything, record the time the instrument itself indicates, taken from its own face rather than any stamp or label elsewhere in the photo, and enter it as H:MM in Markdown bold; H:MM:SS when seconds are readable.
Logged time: **7:31**
